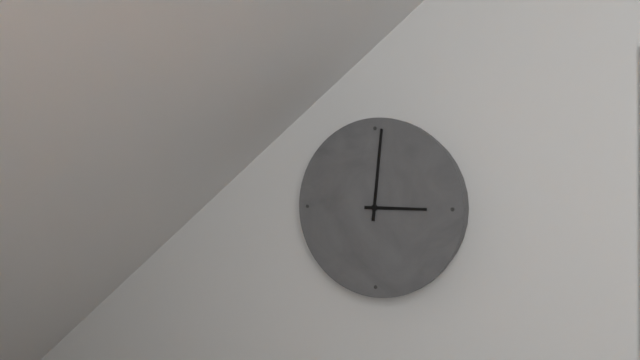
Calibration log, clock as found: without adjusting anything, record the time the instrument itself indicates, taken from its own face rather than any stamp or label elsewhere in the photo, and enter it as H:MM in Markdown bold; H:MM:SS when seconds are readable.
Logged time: **3:01**
